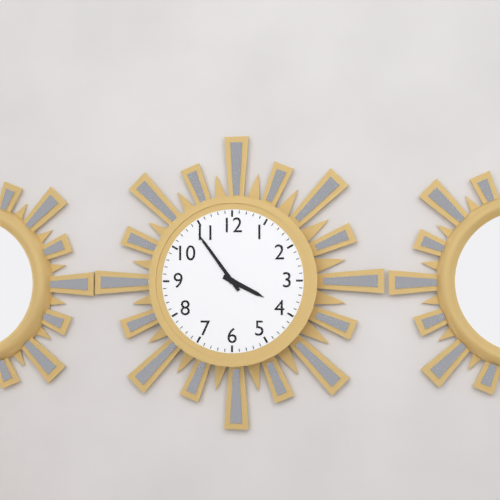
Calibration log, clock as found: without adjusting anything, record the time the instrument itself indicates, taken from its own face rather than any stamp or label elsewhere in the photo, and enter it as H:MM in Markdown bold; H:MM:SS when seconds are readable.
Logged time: **3:54**
